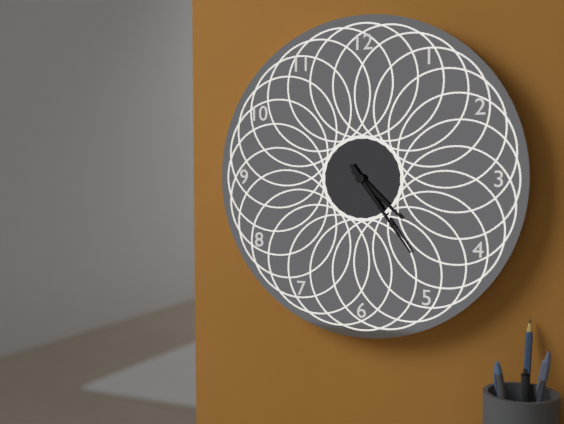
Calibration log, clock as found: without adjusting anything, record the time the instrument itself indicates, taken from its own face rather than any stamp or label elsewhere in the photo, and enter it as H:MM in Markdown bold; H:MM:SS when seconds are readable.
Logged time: **4:24**
